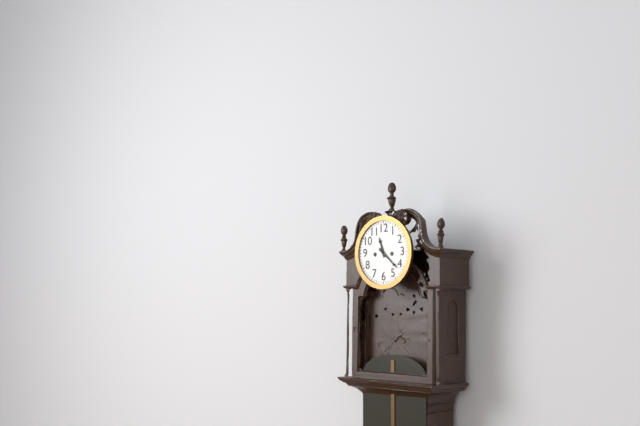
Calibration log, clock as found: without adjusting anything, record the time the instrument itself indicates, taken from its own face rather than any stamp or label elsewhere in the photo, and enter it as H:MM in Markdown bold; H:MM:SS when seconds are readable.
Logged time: **11:22**
